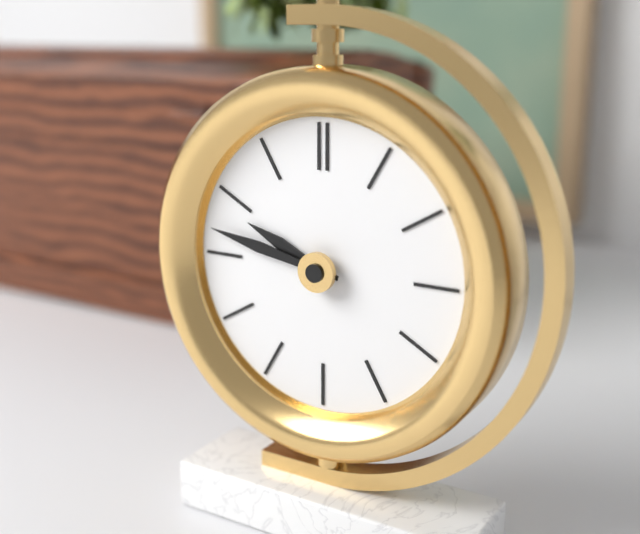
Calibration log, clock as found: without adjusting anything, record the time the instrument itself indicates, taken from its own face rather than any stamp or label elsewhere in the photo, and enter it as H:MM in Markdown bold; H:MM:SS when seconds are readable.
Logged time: **9:47**
